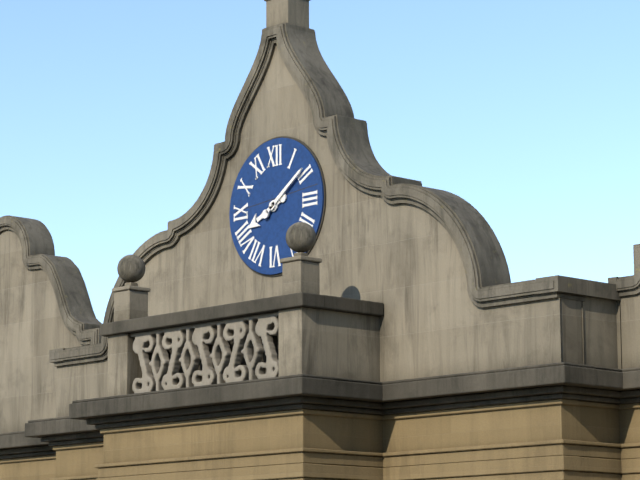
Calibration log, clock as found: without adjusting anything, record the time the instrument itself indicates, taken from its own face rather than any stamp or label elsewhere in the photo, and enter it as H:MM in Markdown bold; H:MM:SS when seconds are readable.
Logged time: **8:09**
